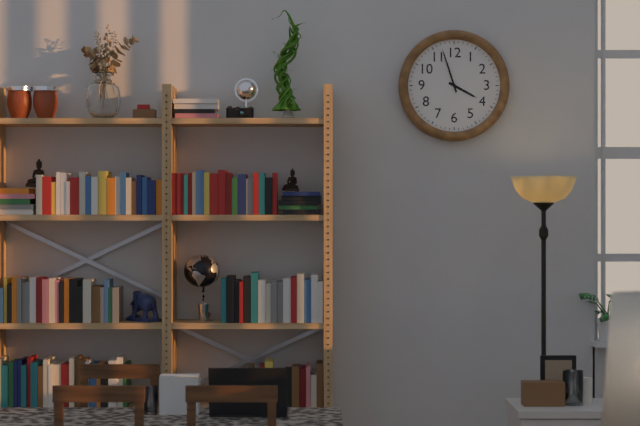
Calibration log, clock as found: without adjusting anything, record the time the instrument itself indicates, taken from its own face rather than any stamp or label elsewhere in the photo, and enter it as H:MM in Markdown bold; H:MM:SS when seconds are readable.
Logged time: **3:57**
